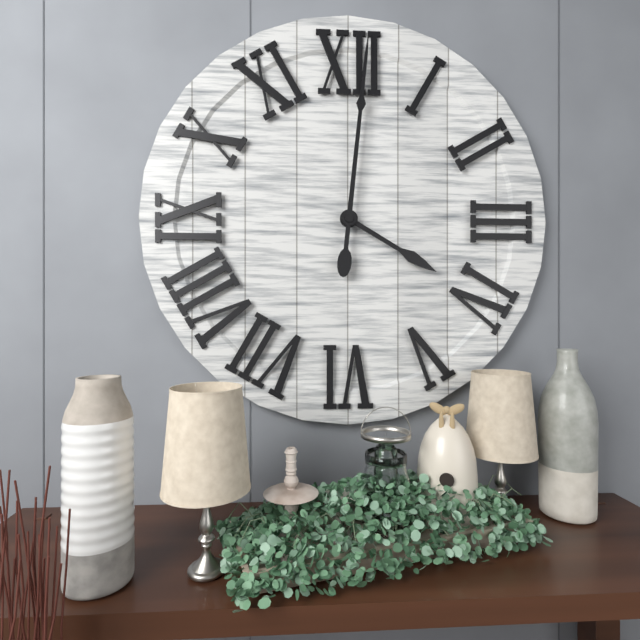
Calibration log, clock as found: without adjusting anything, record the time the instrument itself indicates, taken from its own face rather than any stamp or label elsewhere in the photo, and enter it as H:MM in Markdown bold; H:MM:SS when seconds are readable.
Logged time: **4:01**
